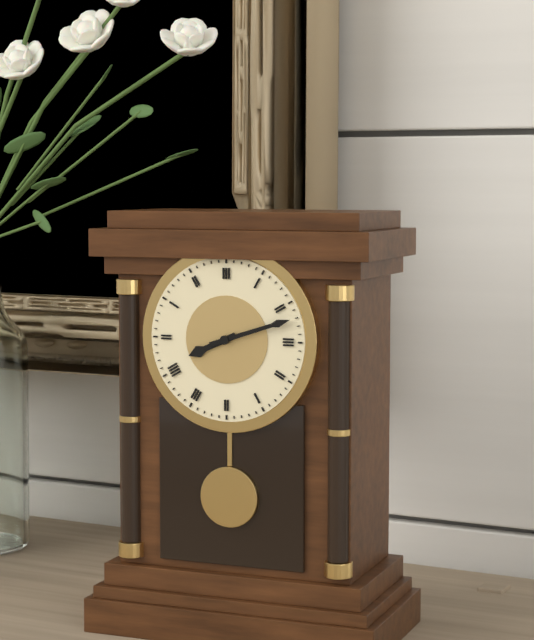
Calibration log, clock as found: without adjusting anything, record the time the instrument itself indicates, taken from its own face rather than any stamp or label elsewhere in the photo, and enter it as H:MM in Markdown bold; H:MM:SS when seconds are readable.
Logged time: **8:12**
